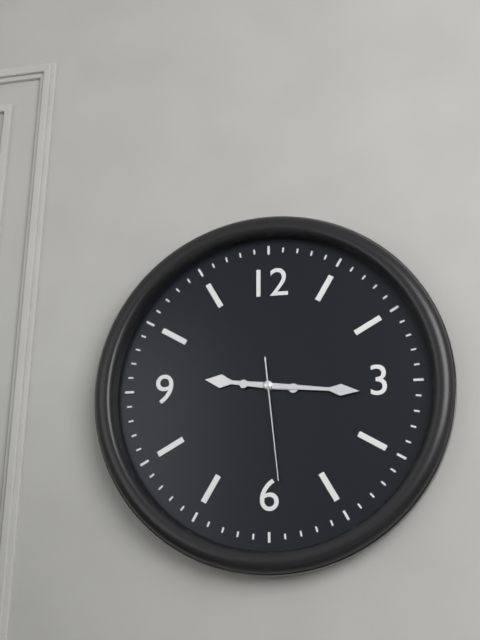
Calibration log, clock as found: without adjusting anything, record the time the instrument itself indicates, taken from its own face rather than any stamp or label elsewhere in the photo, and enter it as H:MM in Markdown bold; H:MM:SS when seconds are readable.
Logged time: **9:16:29**
